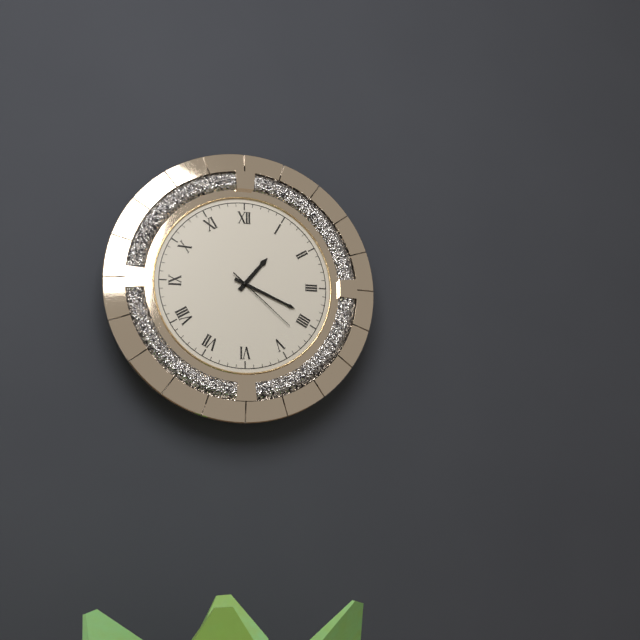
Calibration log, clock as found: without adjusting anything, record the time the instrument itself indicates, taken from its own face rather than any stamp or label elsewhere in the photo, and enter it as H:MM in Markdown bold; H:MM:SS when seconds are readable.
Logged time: **1:19:22**
